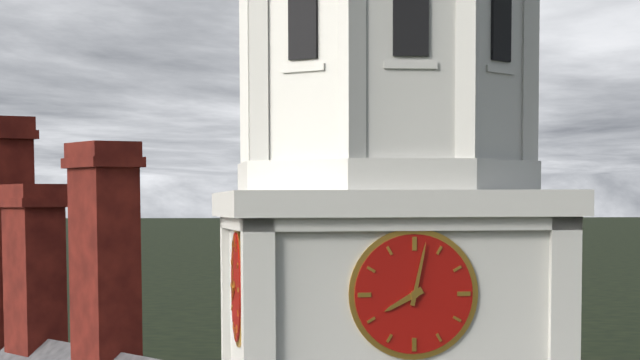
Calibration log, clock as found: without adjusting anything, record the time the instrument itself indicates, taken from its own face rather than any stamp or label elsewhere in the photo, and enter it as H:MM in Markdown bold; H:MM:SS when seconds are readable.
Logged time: **8:02**
